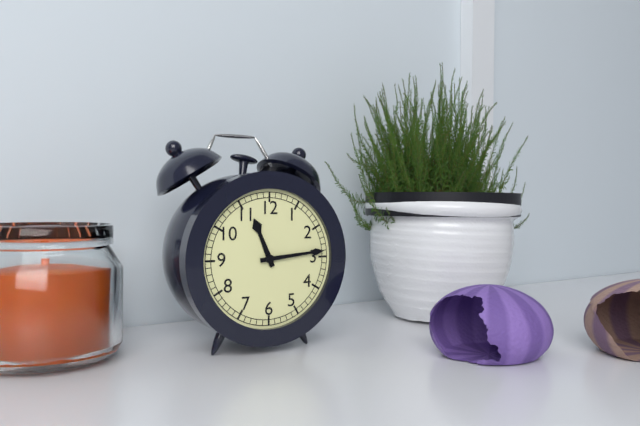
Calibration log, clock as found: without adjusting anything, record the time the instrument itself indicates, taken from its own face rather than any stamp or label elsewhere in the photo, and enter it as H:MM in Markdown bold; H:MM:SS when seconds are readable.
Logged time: **11:14**
